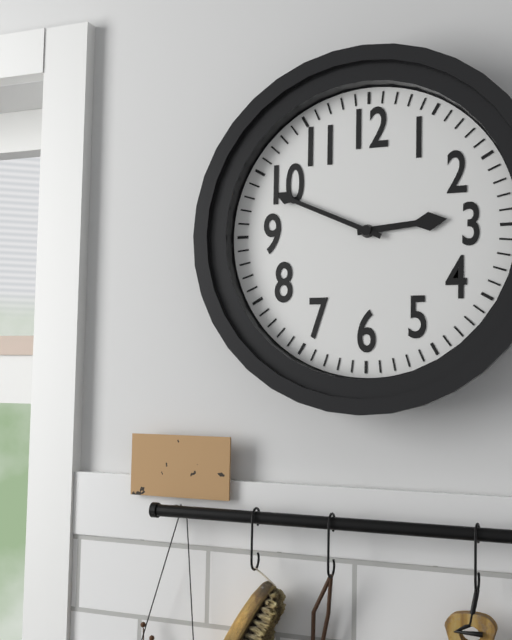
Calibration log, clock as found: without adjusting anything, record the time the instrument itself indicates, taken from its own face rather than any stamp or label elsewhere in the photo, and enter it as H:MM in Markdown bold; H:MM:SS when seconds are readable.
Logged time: **2:49**
